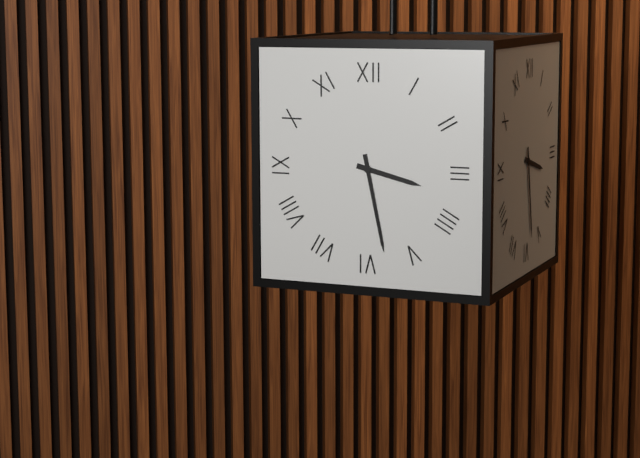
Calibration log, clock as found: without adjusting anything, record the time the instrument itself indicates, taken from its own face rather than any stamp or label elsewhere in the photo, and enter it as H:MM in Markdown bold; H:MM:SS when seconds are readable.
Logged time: **3:28**
